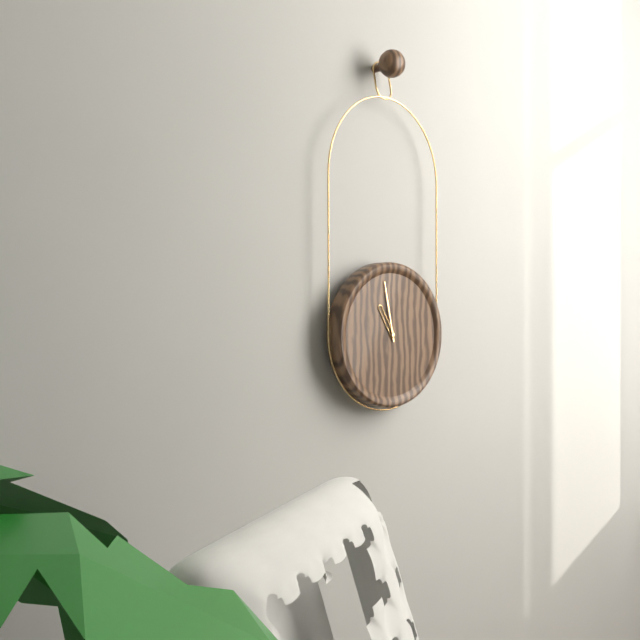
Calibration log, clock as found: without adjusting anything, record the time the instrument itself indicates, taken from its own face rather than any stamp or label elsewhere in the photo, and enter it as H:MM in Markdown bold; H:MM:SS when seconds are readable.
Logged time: **10:58**
